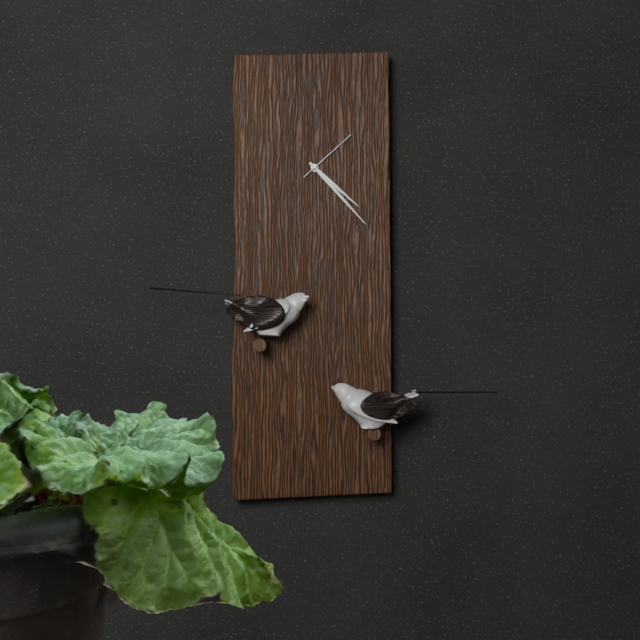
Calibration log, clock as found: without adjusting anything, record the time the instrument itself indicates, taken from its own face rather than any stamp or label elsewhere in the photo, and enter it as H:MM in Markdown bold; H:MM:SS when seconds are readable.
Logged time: **4:23:08**
